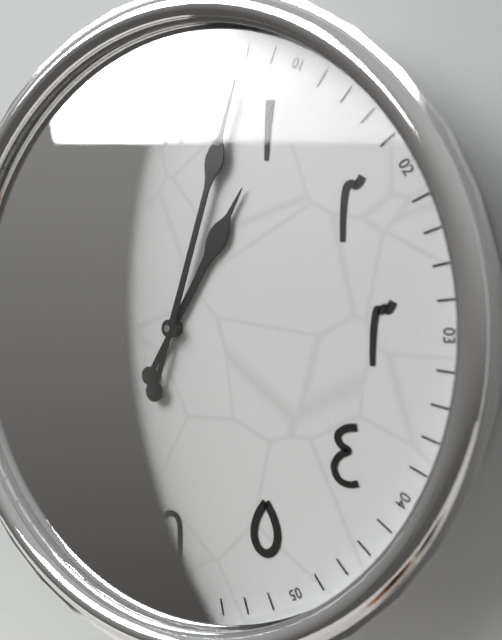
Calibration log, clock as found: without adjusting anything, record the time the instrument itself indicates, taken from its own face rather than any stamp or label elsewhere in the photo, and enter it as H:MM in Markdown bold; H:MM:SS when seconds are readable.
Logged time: **1:03**
